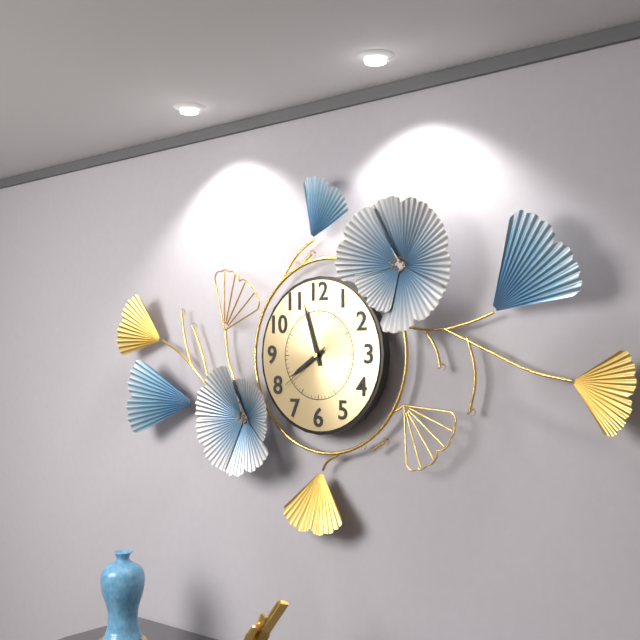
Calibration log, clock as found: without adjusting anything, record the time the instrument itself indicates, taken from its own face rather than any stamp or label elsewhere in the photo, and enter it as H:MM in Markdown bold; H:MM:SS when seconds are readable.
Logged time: **7:57:39**
